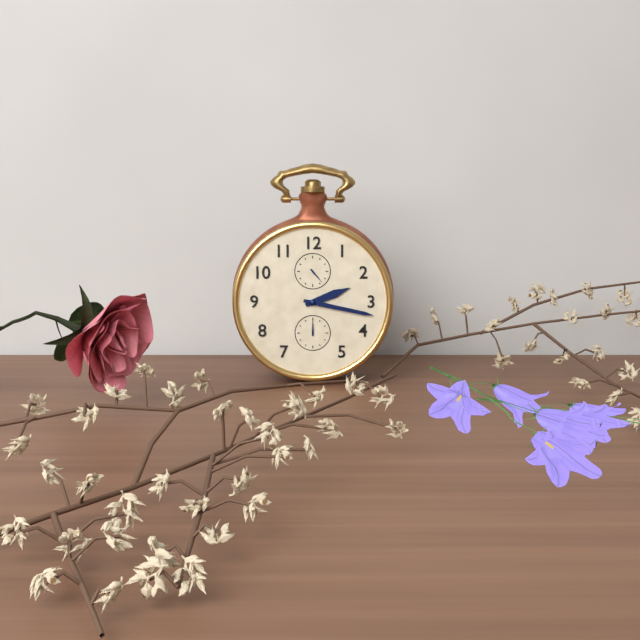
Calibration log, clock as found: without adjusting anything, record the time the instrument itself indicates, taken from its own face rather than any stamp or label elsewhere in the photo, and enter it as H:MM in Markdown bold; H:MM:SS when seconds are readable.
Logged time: **2:17**
